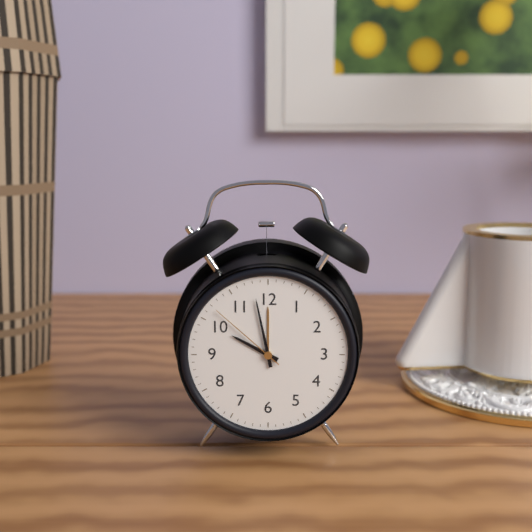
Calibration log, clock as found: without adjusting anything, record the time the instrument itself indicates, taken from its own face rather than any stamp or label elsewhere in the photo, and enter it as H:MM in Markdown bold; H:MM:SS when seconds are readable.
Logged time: **9:58:52**
